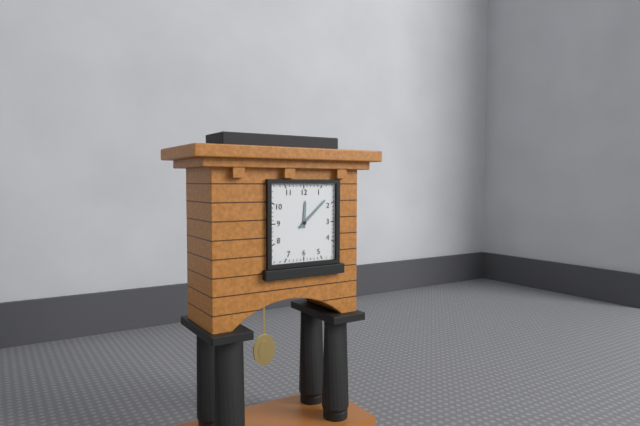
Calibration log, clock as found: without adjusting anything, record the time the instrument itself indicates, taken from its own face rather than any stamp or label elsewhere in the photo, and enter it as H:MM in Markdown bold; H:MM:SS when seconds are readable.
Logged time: **12:08**
